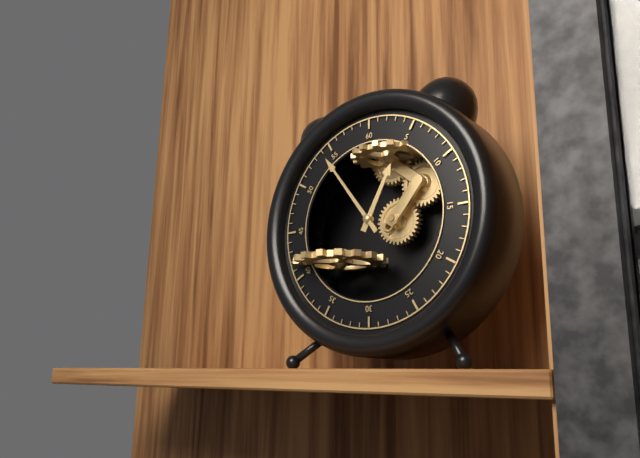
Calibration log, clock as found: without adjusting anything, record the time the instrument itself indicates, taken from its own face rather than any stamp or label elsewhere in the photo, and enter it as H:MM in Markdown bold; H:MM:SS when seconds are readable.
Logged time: **12:54**
